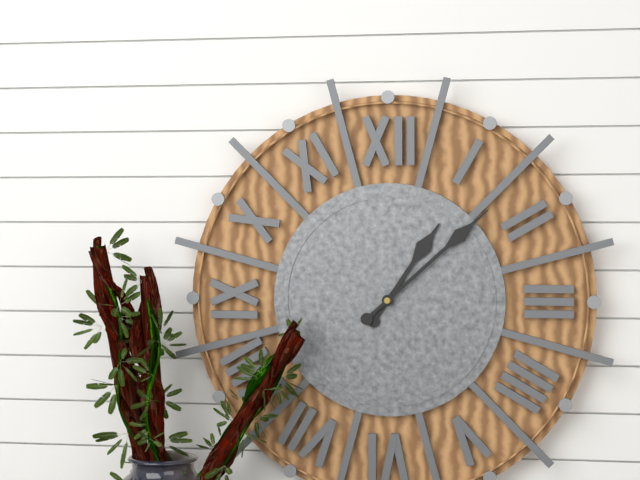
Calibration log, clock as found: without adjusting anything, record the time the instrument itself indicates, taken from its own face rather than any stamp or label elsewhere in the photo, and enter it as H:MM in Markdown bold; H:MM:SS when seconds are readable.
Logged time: **1:08**
